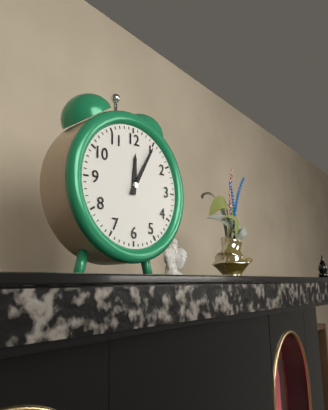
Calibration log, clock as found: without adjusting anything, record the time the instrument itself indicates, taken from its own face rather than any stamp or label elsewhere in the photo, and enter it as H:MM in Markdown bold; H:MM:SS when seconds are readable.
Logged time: **12:05**
